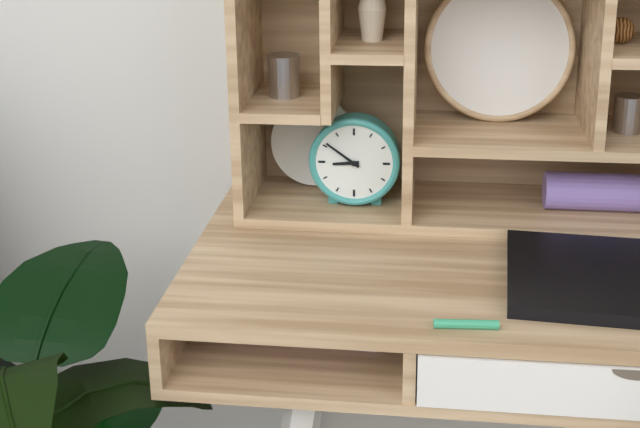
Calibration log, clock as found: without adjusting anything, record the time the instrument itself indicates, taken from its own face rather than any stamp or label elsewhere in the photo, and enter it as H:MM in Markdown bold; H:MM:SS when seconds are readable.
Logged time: **8:51**
